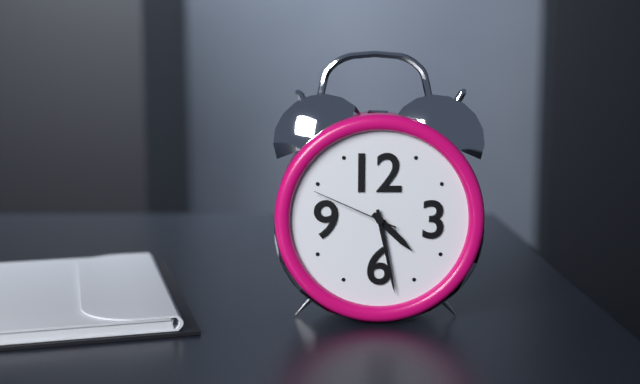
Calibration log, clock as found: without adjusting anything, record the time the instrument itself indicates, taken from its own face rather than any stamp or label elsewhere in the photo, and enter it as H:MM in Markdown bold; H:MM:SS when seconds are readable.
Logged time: **4:28:49**
